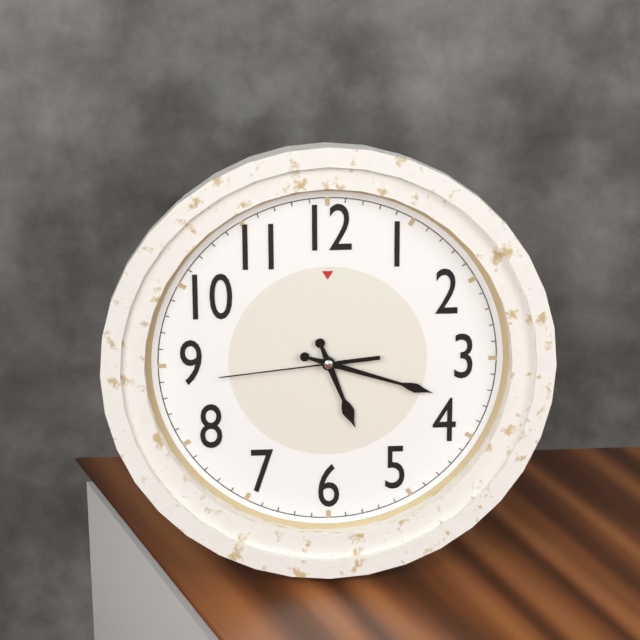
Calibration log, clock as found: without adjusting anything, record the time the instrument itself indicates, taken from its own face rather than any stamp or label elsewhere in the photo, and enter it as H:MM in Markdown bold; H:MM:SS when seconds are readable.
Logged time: **5:18:44**
